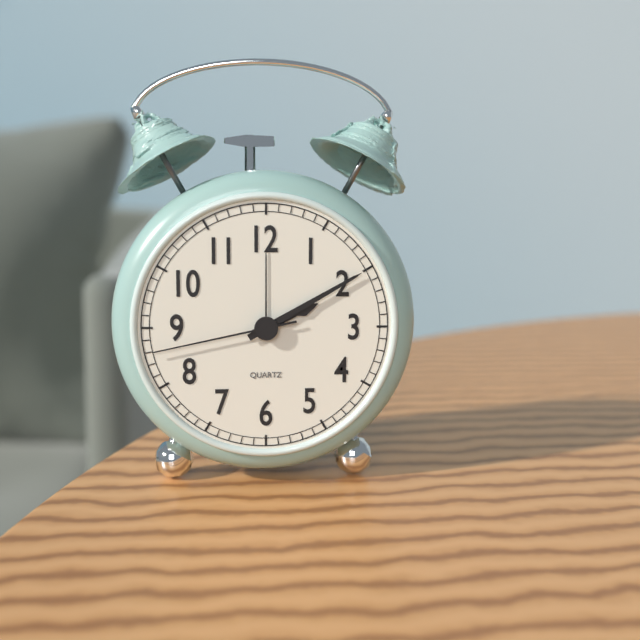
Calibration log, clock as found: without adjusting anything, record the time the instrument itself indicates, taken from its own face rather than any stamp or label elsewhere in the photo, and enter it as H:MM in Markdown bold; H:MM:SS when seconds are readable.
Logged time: **2:10:43**
